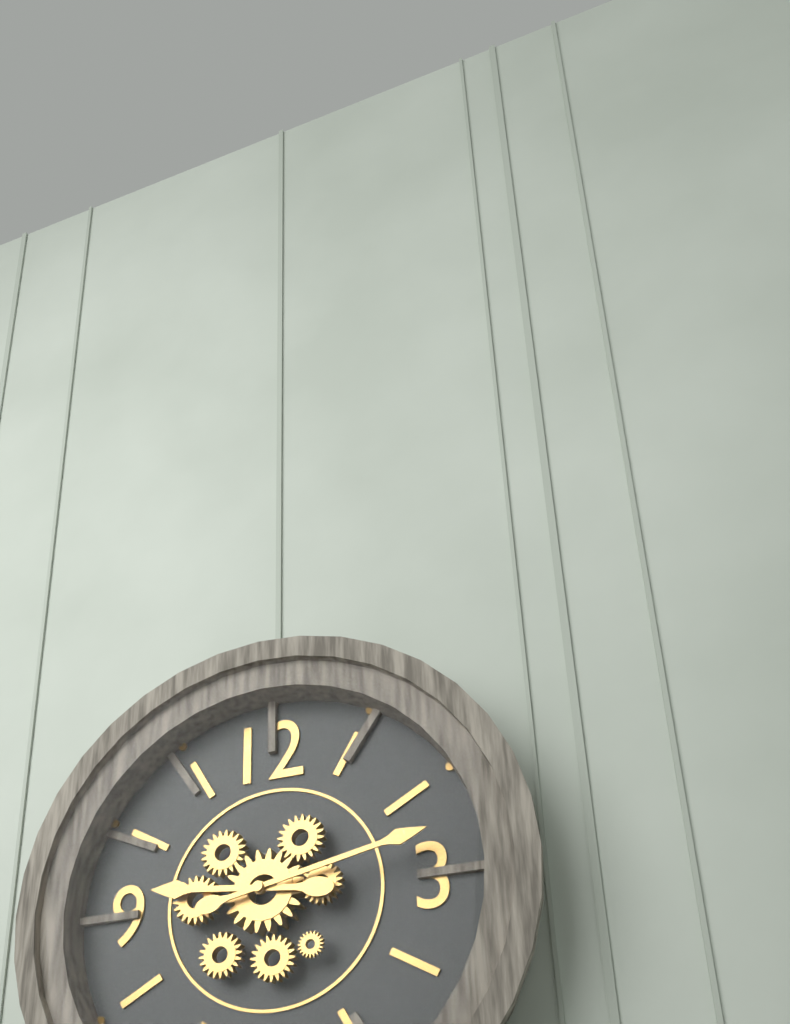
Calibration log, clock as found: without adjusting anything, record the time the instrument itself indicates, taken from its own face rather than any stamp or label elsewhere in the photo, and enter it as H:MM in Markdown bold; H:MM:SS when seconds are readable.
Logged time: **9:13**
